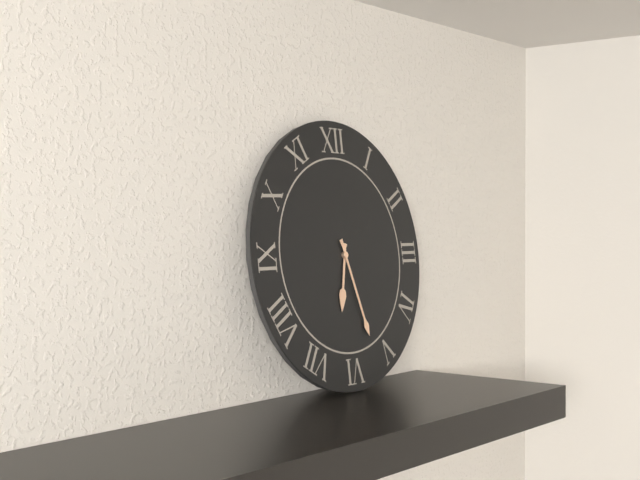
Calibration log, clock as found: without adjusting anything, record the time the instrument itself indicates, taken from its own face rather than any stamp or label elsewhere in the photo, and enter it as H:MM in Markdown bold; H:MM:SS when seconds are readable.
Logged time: **6:27**
